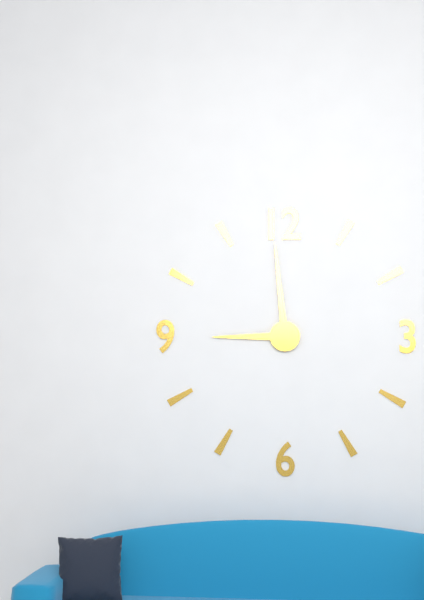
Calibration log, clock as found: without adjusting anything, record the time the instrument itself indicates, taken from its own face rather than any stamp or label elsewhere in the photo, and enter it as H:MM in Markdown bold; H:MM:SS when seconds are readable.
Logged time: **8:59**
